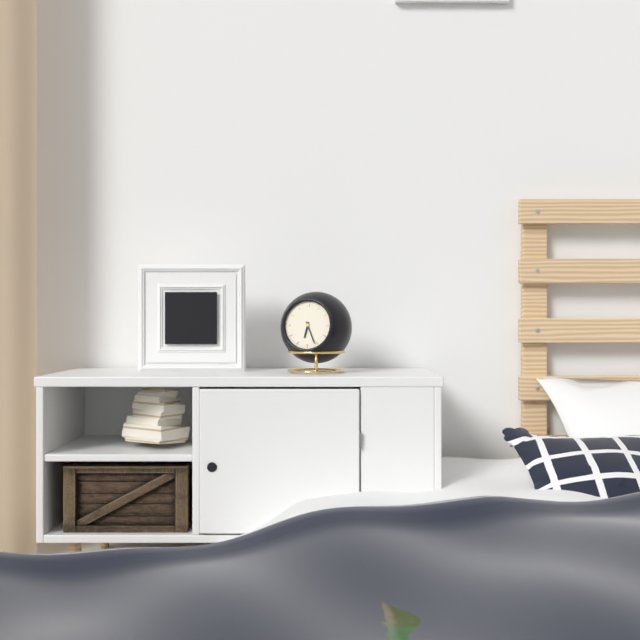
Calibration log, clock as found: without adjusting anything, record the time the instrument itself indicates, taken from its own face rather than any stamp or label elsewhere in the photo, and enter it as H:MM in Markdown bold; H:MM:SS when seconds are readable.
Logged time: **6:26**
